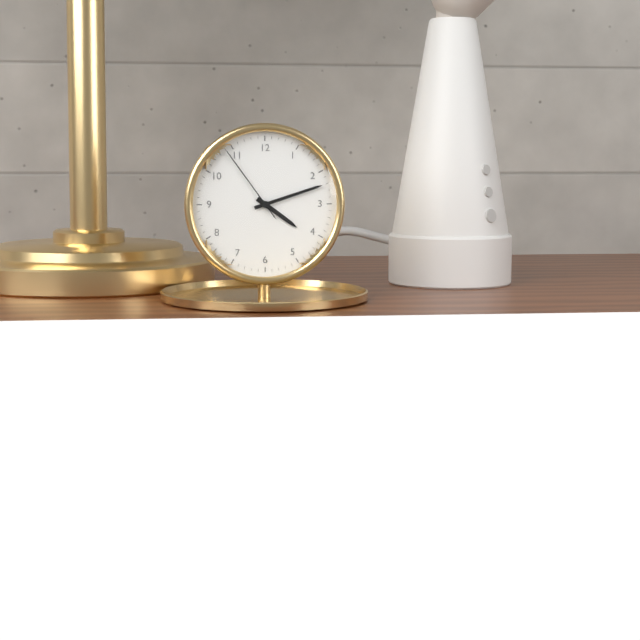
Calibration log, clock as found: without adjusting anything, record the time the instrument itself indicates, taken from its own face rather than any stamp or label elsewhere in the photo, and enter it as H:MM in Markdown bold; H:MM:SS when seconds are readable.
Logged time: **4:12:54**
